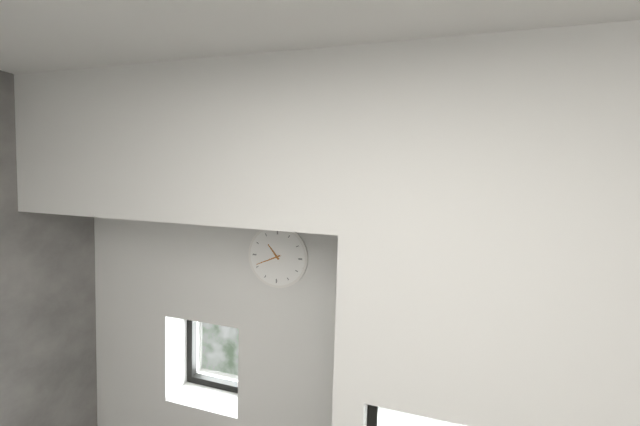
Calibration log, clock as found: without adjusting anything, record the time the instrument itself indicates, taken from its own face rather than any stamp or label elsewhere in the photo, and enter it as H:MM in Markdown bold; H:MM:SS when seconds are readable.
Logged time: **10:41**
